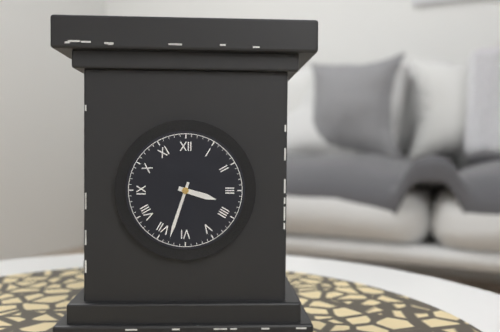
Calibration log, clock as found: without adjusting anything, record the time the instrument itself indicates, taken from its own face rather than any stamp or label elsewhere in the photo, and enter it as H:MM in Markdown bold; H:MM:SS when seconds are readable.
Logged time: **3:33**
